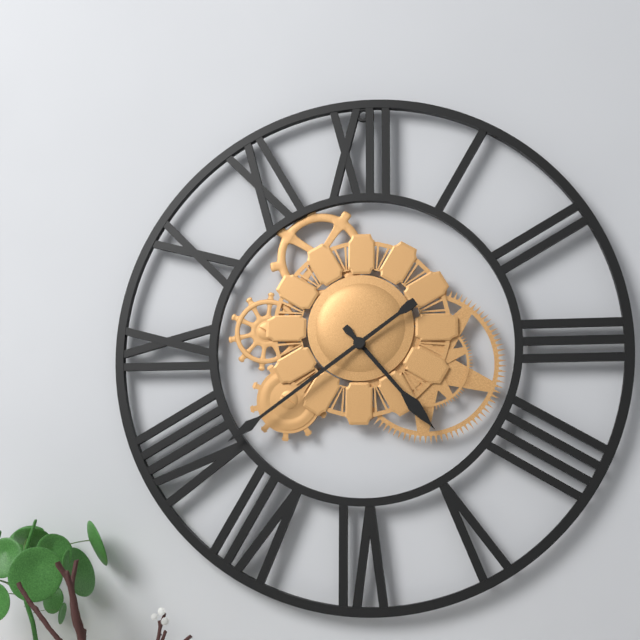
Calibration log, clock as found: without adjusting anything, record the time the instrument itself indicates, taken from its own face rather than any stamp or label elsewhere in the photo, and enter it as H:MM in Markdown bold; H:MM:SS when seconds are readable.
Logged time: **4:39**
